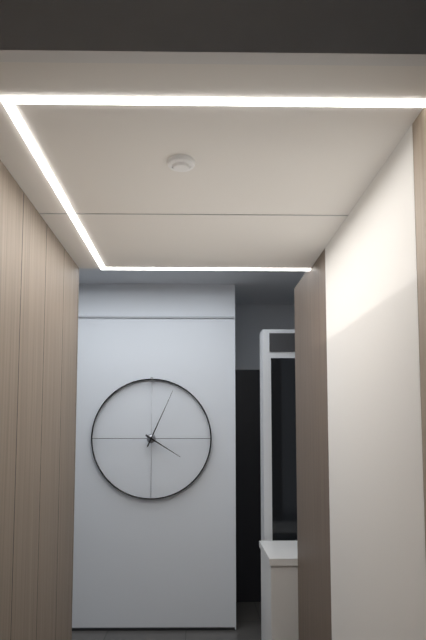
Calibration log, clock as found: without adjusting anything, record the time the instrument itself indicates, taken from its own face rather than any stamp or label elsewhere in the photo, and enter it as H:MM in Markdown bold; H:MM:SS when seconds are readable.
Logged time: **4:04**
